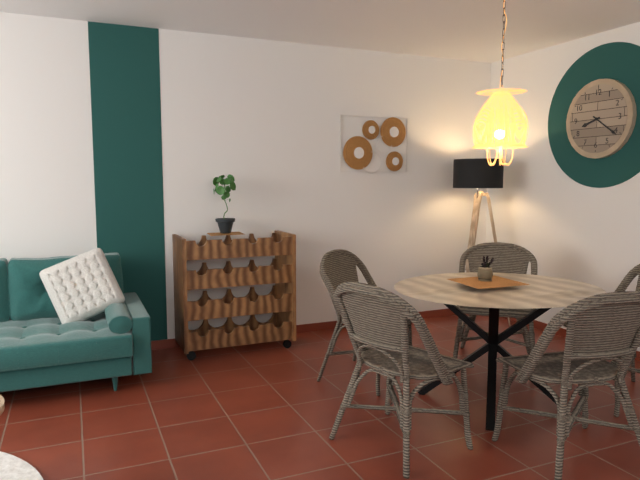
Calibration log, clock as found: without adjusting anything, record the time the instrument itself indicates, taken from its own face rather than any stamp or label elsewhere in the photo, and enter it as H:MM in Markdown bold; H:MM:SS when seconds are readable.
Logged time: **8:21**
